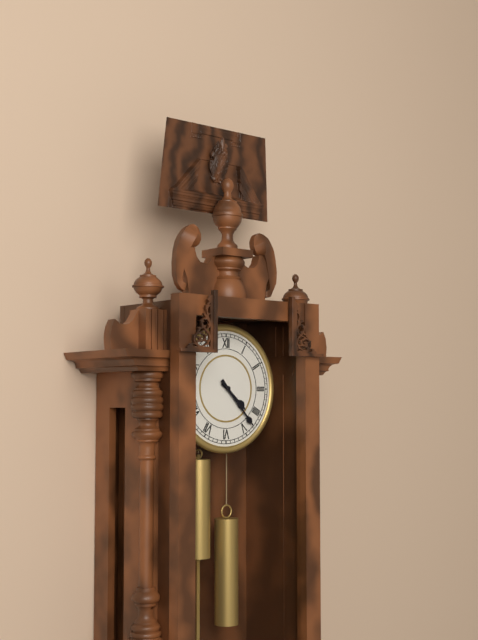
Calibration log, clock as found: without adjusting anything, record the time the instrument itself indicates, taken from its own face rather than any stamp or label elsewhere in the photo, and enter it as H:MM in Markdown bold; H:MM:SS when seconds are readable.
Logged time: **4:23**
